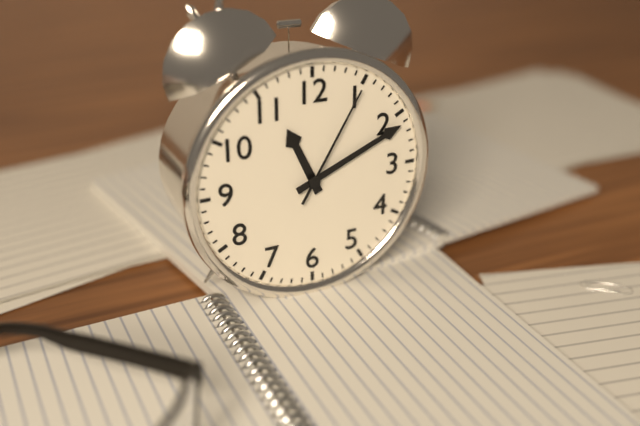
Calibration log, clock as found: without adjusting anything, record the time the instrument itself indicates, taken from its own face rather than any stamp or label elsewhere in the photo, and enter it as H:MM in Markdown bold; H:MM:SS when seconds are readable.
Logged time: **11:11:05**
